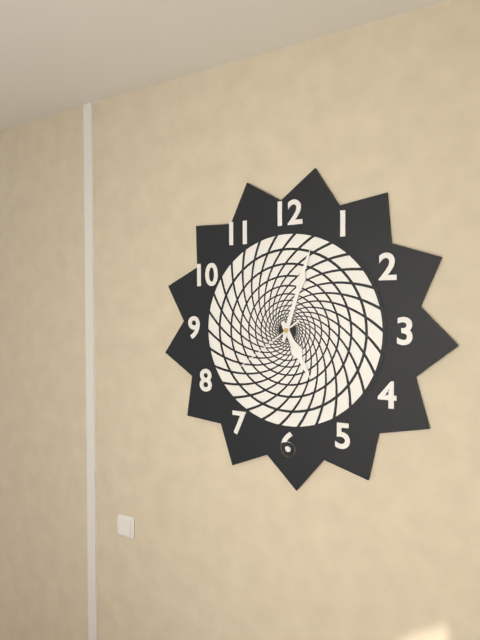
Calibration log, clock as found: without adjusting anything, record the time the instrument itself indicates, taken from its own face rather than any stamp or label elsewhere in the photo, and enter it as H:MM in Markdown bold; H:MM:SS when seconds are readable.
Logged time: **5:03:39**
